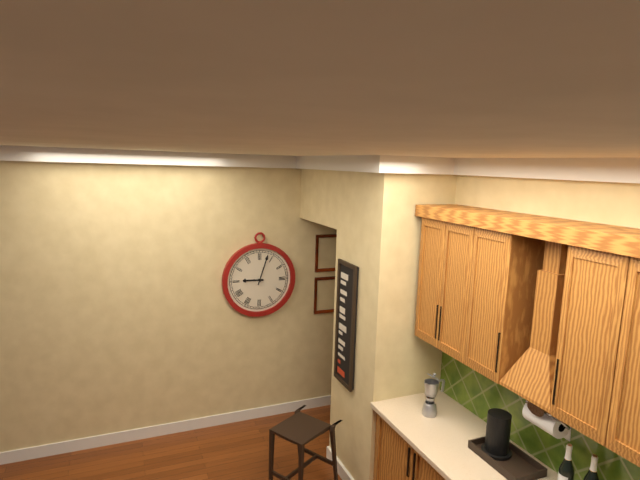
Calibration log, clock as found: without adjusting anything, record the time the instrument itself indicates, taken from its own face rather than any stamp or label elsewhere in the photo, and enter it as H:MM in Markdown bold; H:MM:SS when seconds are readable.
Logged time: **9:03**
